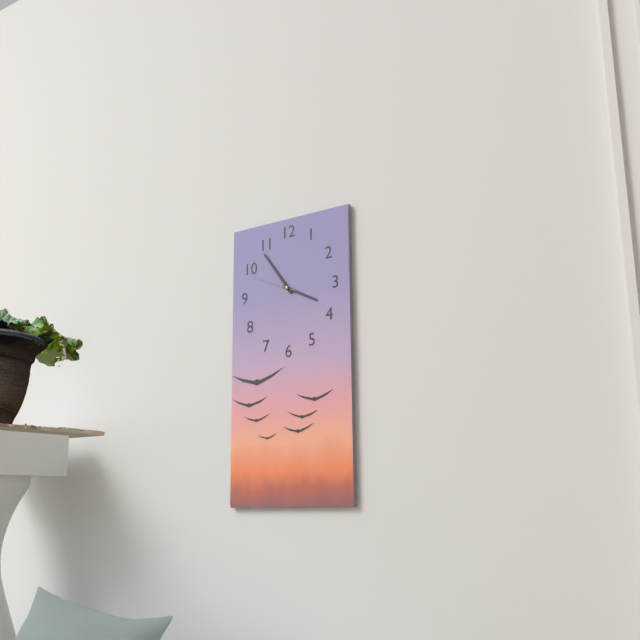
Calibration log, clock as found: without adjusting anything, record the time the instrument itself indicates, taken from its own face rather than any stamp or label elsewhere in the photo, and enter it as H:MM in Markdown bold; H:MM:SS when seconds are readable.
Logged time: **3:54:49**
